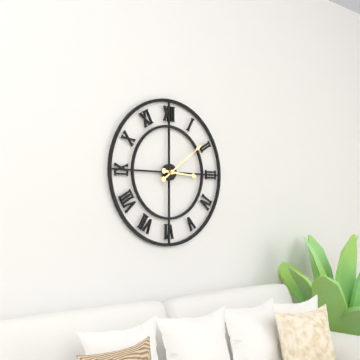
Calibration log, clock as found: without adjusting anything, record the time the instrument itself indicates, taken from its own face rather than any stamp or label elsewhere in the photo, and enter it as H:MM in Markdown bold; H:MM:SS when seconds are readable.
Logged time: **3:09**
